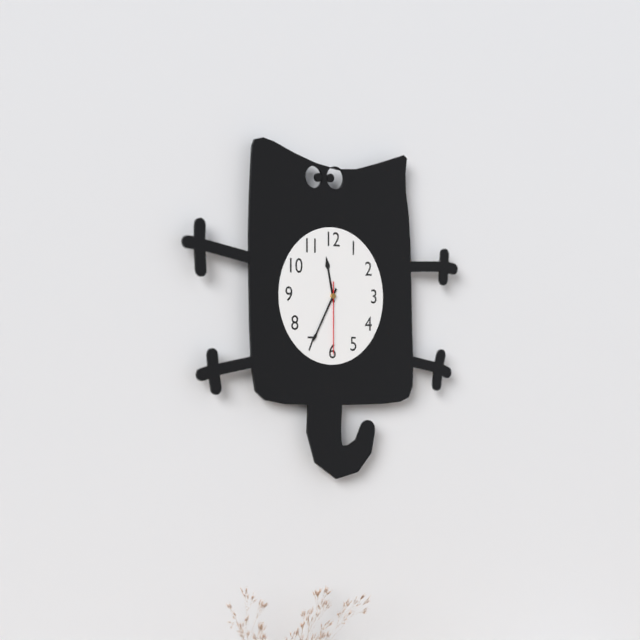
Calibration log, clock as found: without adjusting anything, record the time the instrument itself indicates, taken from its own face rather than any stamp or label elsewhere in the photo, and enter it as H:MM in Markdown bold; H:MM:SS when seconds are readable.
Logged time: **11:35:30**
